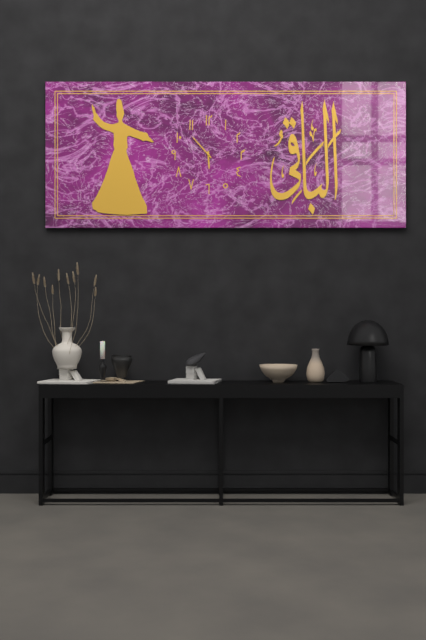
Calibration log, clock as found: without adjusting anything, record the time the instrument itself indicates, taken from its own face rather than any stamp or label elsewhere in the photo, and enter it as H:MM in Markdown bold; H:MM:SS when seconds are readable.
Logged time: **5:53**
